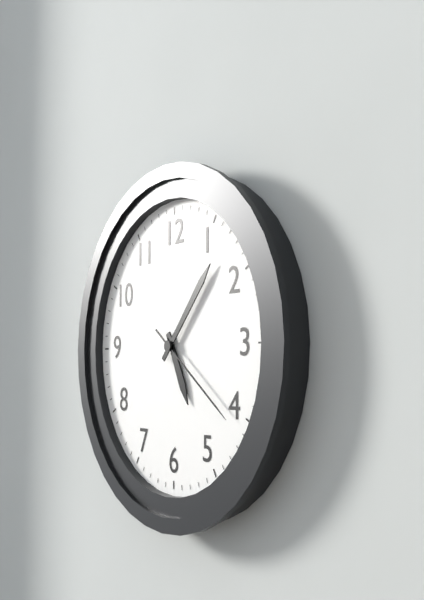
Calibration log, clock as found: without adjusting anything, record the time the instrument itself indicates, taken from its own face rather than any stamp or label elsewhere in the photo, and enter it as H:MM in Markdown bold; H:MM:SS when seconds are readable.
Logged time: **5:07:21**
